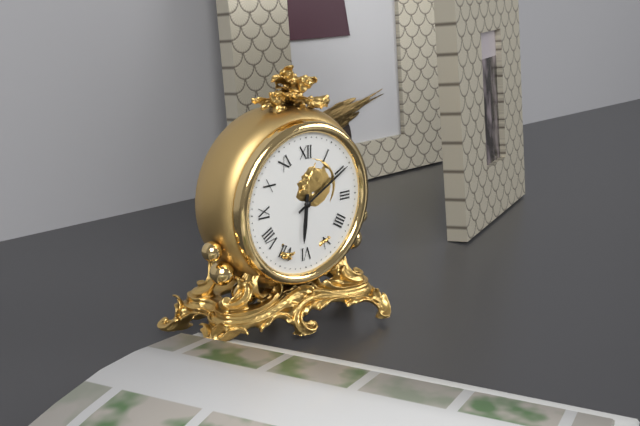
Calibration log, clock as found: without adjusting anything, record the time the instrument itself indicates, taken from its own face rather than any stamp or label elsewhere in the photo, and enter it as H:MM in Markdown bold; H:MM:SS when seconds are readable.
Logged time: **6:10**
